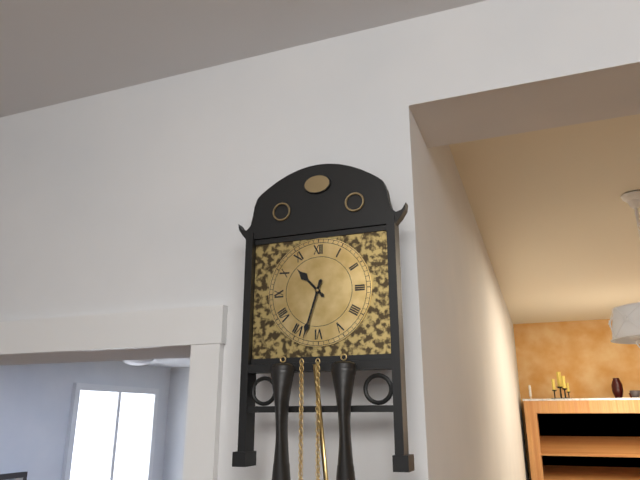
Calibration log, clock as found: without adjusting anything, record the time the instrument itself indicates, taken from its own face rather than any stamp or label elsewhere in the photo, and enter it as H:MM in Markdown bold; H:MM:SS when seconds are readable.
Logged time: **10:33**
